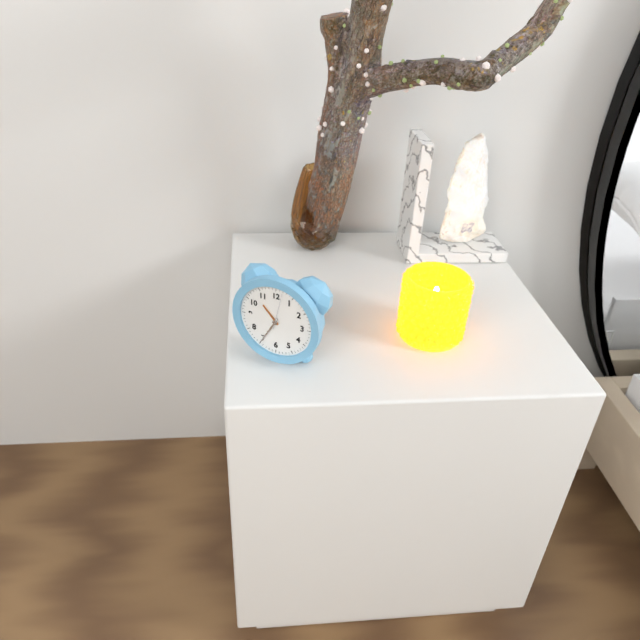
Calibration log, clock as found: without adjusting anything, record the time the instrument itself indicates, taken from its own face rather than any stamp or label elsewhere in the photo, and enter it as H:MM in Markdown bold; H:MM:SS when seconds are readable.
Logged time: **10:35**
